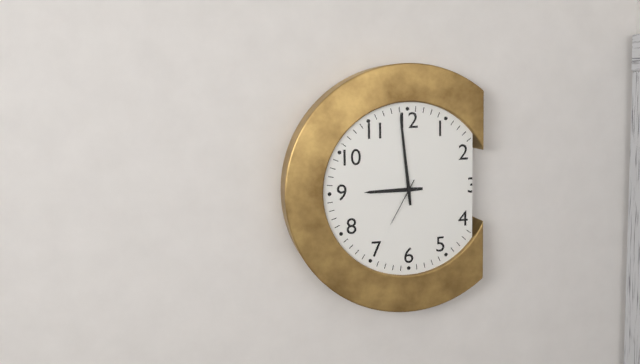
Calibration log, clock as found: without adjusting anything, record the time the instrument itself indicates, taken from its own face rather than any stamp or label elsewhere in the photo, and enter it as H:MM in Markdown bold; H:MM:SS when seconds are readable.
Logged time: **8:59**
